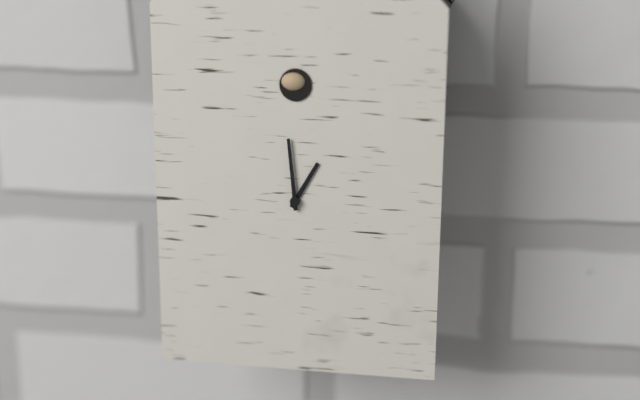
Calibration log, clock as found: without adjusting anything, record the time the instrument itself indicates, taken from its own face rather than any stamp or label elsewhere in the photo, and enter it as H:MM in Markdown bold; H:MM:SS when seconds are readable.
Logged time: **12:59**
